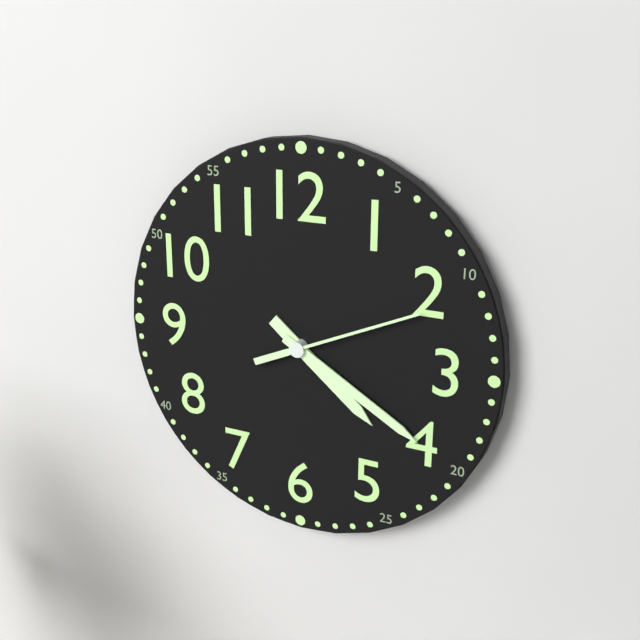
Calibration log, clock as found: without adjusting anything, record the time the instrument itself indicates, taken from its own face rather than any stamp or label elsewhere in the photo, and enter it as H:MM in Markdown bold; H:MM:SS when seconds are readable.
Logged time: **4:20:11**
